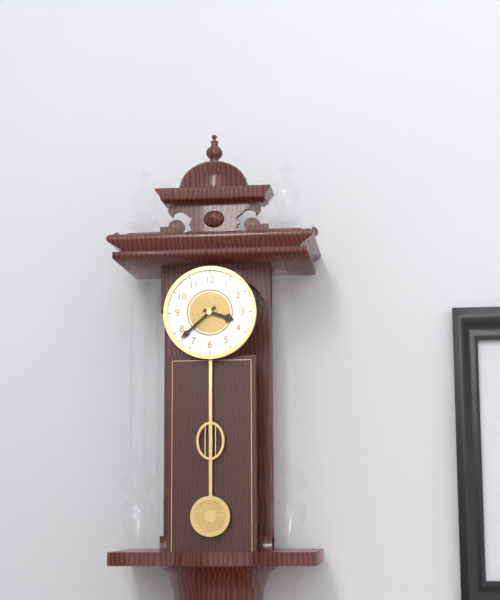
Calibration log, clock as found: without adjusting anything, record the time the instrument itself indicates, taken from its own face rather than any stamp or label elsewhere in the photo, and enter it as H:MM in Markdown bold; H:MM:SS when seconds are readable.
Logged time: **3:38**
